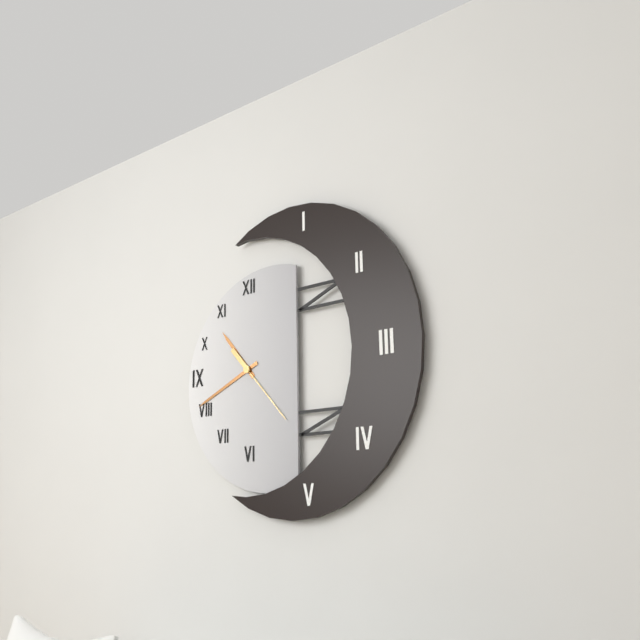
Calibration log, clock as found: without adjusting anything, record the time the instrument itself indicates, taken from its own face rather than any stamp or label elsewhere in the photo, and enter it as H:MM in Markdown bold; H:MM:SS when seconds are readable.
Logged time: **10:41:23**
